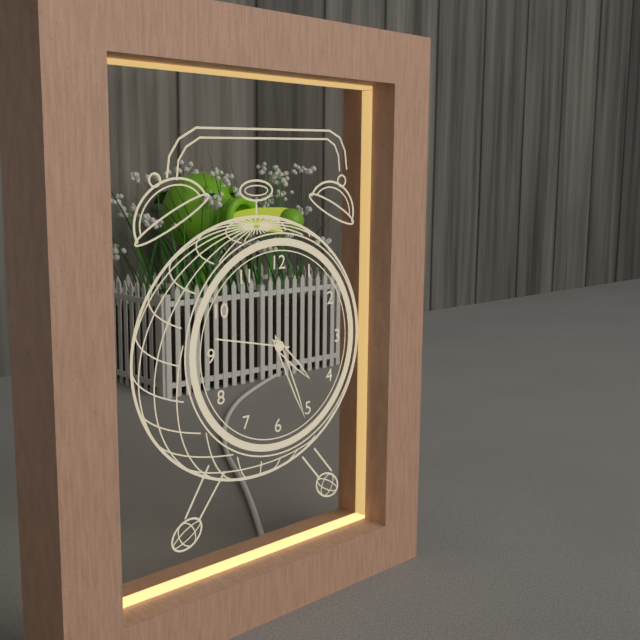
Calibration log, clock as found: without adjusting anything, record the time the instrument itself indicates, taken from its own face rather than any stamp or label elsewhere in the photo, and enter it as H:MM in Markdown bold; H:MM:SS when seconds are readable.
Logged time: **4:26:47**
